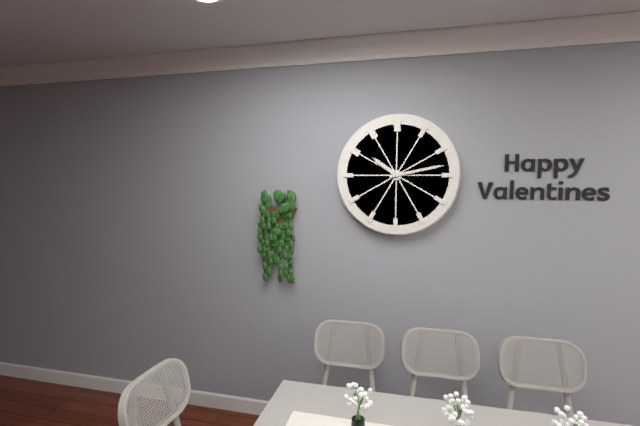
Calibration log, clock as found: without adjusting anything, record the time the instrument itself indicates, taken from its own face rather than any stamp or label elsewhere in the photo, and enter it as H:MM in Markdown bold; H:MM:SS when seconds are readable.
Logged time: **10:13**
